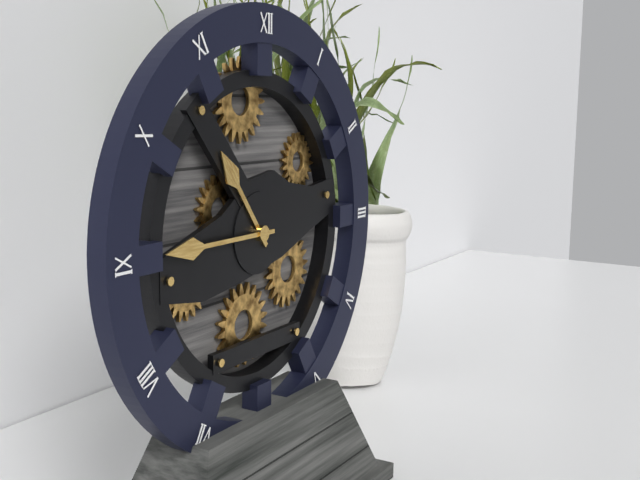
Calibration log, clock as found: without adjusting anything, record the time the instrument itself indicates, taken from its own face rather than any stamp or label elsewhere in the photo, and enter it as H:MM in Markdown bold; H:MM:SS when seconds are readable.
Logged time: **10:45**
